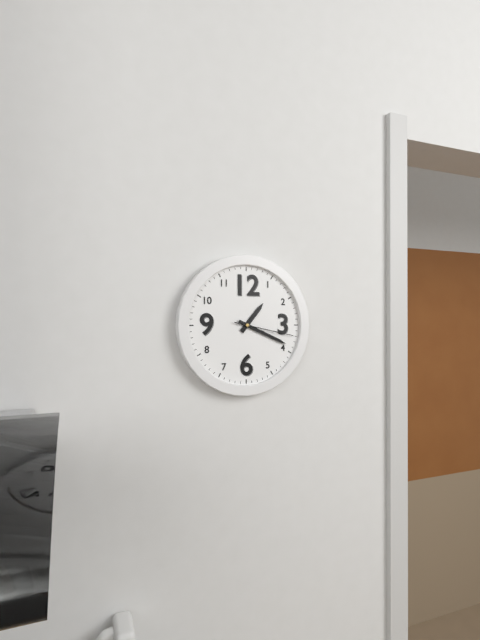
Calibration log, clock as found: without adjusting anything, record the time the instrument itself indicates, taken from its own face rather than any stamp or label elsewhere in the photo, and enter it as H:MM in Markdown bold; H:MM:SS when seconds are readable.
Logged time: **1:19:17**
